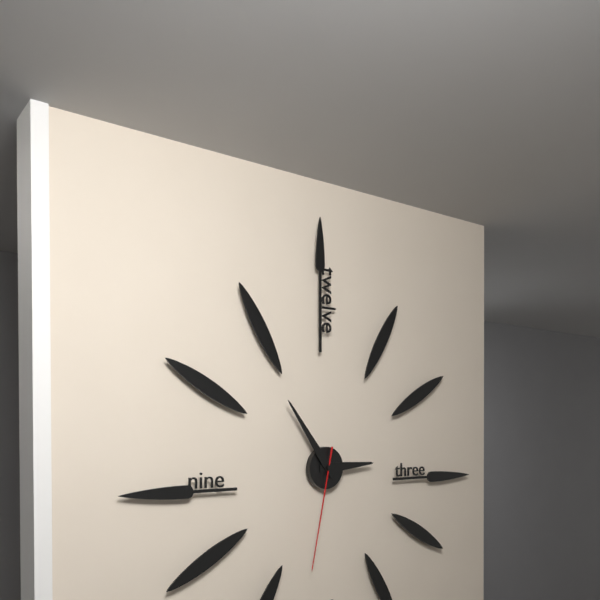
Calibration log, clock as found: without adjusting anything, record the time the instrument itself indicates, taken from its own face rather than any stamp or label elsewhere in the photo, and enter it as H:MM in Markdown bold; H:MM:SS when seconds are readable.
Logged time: **2:54:32**
